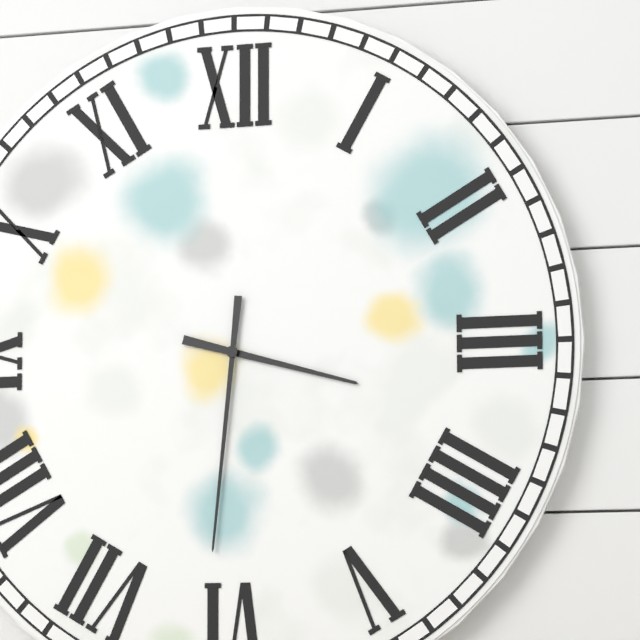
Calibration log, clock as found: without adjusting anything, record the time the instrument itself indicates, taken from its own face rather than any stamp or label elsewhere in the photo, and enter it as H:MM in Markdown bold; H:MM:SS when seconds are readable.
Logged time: **3:31**
